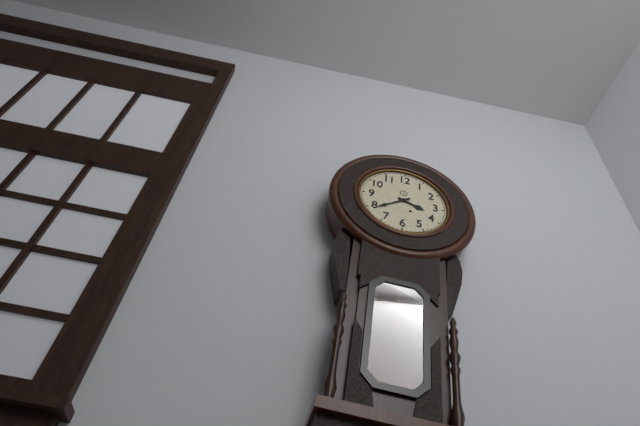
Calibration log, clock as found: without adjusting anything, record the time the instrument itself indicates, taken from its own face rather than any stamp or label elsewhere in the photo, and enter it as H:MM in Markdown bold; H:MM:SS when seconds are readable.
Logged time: **3:39**
